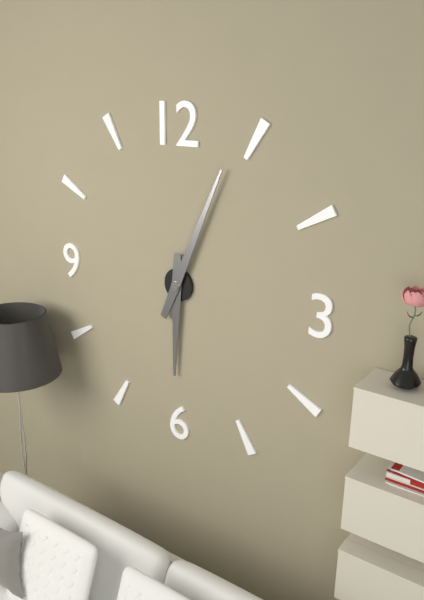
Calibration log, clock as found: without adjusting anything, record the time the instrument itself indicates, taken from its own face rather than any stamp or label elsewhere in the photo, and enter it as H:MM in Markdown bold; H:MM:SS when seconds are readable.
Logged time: **6:04**
